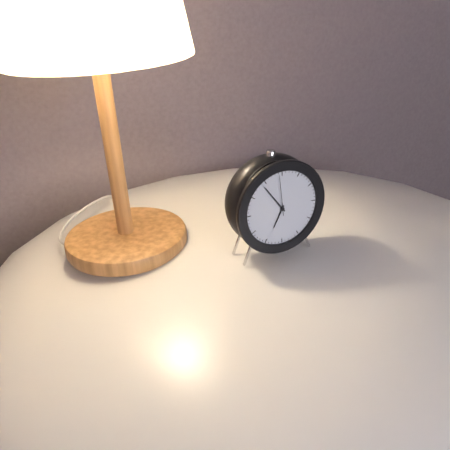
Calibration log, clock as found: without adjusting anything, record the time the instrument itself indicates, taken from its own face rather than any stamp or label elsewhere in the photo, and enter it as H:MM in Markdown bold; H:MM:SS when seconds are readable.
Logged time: **6:54**
